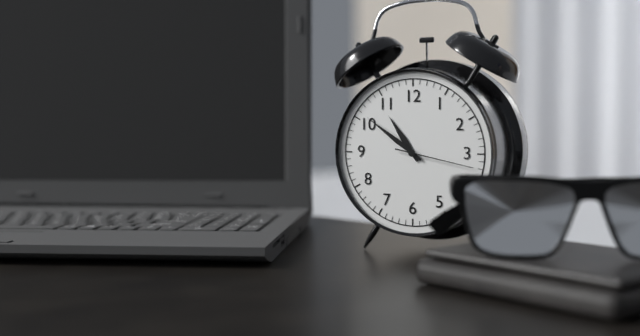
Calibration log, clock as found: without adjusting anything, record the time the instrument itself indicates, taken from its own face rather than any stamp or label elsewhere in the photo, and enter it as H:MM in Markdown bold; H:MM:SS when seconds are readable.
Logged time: **10:51:17**
